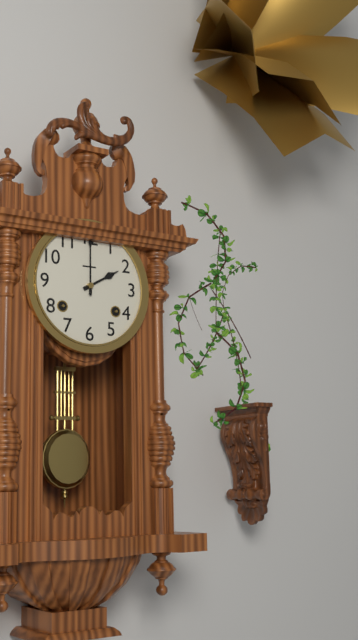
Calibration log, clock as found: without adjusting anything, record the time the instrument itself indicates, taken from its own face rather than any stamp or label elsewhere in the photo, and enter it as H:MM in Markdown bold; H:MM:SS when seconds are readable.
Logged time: **2:00**
